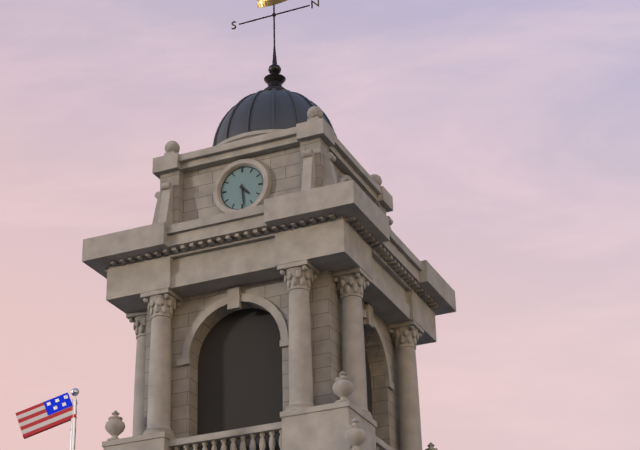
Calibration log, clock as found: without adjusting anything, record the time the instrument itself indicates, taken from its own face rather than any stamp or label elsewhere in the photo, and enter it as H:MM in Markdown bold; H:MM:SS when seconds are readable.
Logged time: **4:29**
